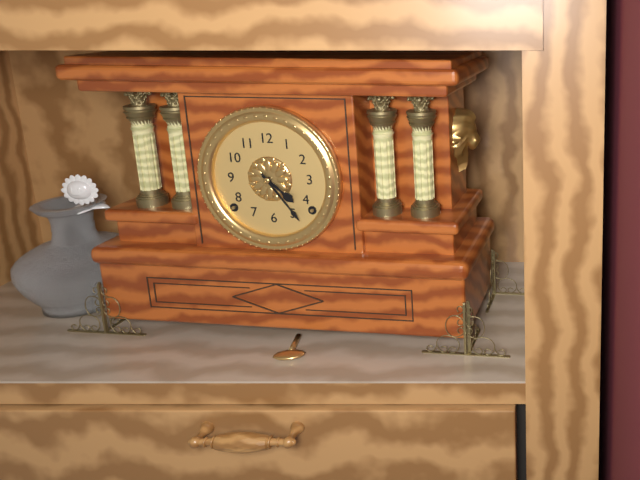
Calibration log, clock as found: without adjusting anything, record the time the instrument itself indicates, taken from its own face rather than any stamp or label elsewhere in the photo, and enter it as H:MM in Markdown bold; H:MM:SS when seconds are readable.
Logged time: **4:24**
